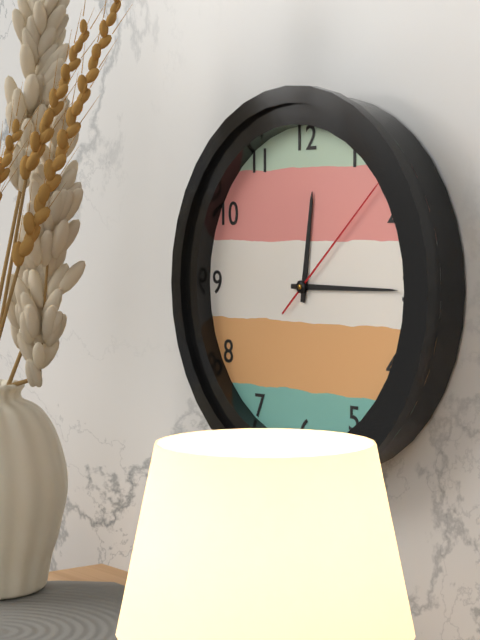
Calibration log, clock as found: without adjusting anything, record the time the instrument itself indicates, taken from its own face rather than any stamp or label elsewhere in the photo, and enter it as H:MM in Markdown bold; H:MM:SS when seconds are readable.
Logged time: **12:15:08**
